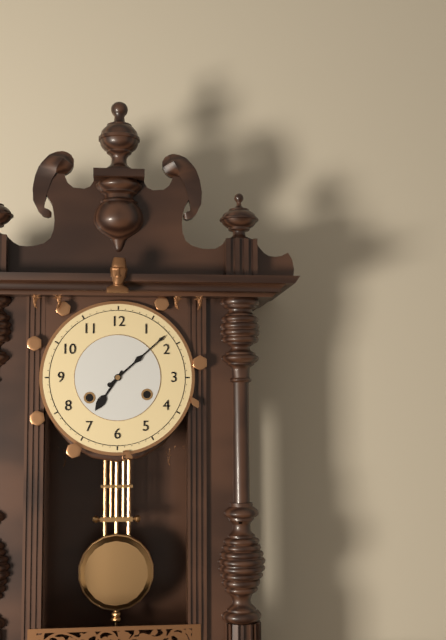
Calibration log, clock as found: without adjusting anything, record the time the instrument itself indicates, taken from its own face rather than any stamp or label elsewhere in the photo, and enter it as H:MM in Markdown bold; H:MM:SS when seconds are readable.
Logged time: **7:08**
